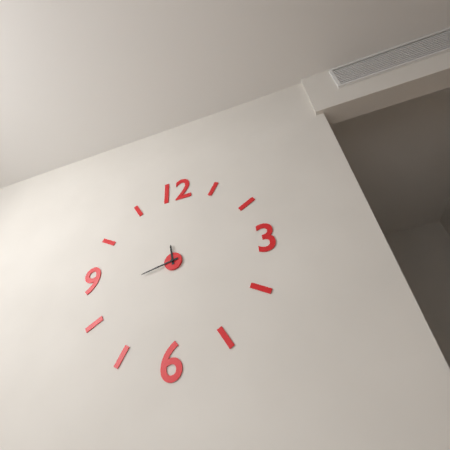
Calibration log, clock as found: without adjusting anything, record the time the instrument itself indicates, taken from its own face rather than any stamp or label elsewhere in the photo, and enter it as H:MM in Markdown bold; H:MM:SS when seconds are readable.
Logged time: **11:43**
